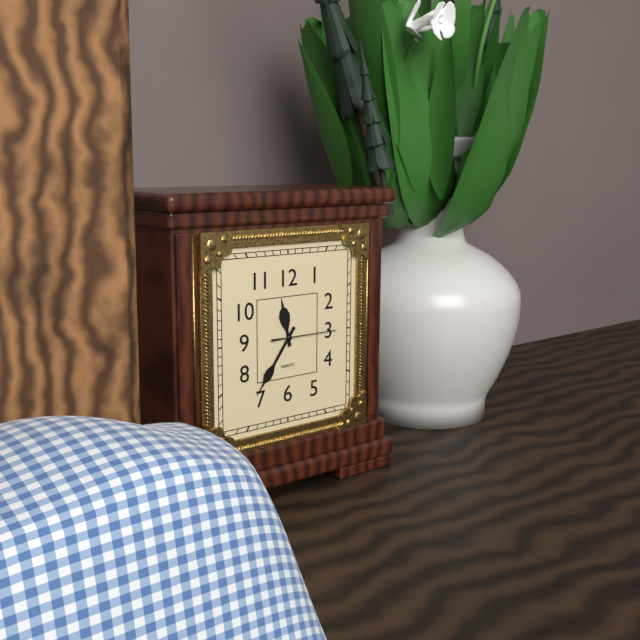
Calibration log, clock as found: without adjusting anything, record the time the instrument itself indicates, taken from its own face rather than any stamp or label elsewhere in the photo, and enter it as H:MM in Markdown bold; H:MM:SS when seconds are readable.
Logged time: **11:36:15**
